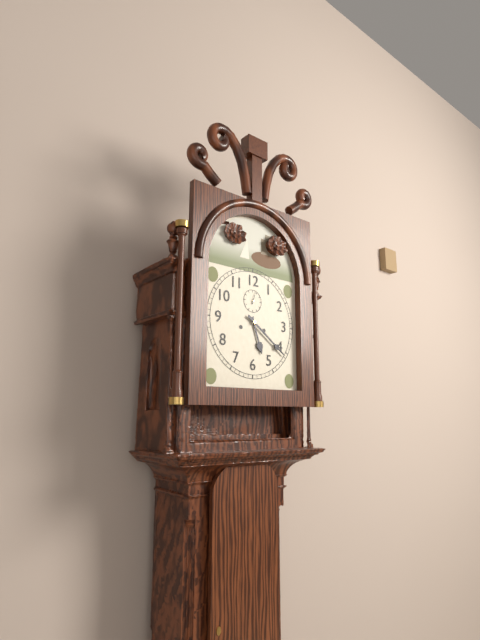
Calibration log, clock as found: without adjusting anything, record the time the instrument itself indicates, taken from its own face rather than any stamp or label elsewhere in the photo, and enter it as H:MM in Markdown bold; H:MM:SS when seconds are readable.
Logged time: **5:21**
